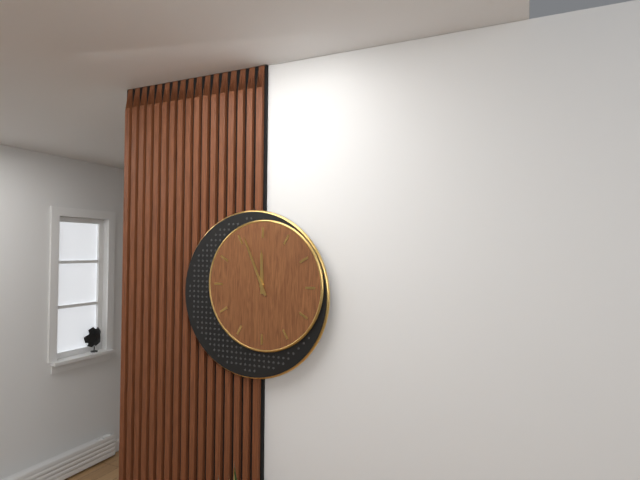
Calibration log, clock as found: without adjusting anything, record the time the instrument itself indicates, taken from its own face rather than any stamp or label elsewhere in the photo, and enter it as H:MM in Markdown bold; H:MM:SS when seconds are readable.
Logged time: **11:56**
